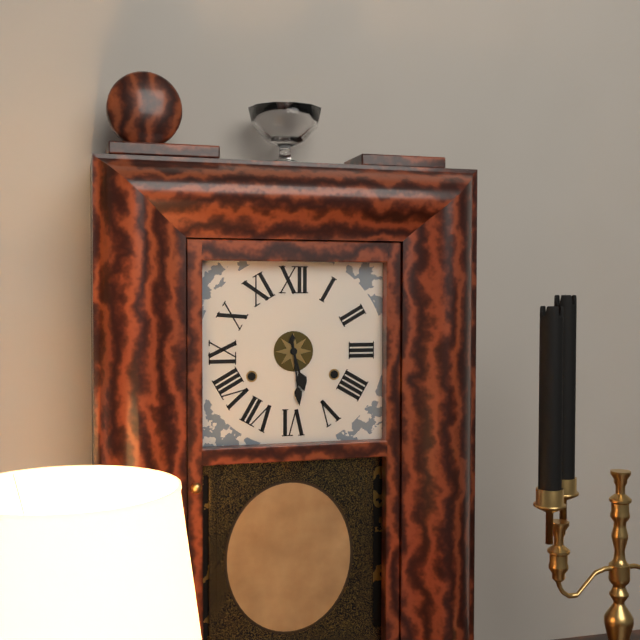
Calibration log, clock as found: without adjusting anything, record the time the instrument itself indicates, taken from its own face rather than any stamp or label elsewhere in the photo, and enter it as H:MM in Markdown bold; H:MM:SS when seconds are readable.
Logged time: **5:29**
